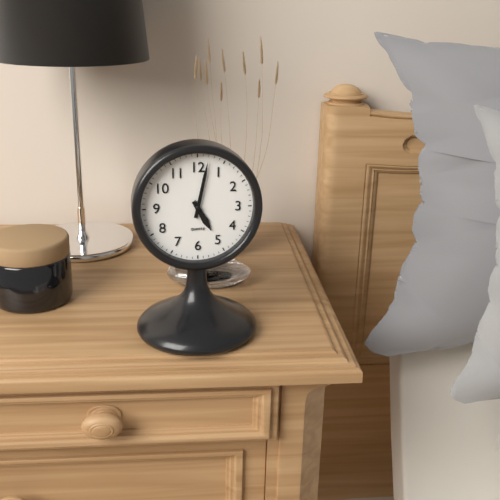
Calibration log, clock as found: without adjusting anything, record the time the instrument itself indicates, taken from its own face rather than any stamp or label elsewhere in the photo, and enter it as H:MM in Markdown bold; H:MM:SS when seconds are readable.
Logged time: **5:02**
